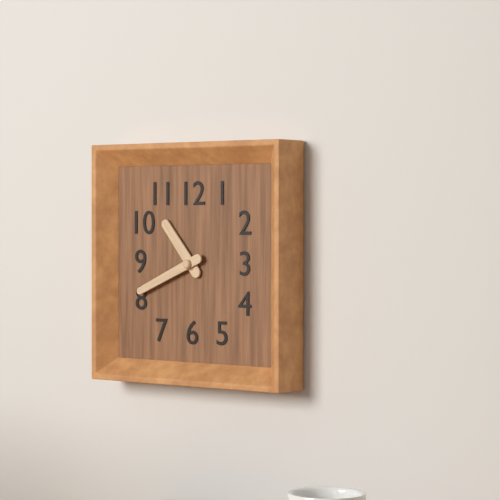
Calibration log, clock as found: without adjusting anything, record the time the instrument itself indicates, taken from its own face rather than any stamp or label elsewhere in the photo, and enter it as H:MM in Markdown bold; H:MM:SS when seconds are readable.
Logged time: **10:41**
